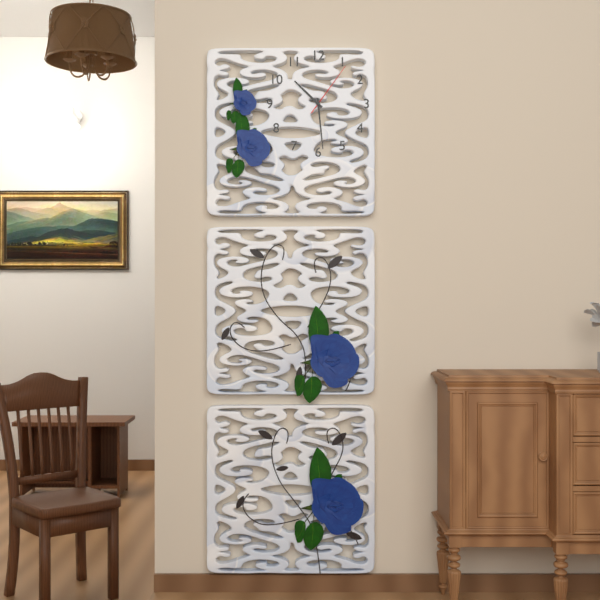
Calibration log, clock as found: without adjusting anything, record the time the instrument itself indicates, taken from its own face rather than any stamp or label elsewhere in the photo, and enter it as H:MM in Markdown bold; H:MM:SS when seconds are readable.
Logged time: **10:29:06**
